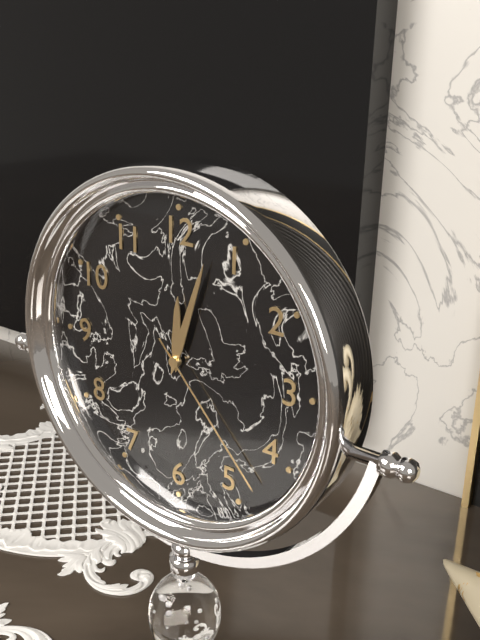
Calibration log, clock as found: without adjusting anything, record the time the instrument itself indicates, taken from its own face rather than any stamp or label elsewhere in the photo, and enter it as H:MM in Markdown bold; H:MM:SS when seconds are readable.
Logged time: **12:03:23**
